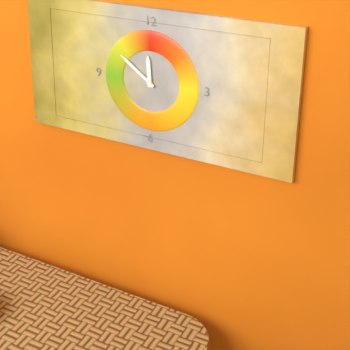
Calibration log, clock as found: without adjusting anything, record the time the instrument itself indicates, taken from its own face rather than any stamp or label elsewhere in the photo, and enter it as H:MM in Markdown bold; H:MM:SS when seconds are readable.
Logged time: **11:51**
